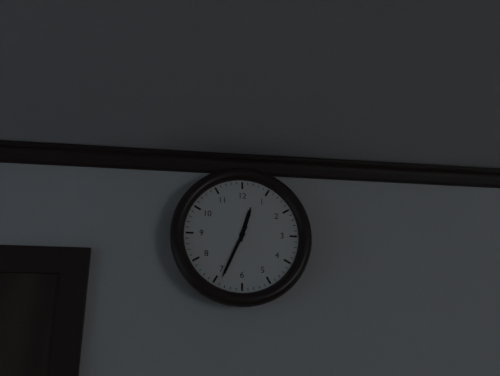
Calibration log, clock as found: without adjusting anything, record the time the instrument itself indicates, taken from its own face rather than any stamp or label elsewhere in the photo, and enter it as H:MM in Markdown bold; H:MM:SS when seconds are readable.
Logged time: **12:34**
